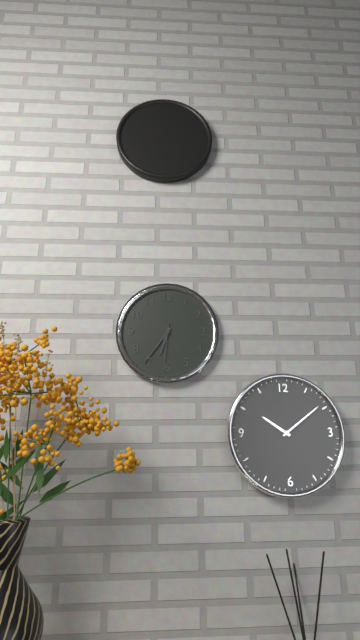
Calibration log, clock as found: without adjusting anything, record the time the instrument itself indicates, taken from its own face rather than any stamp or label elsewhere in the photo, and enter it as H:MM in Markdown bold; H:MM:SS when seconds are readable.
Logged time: **6:36:31**
